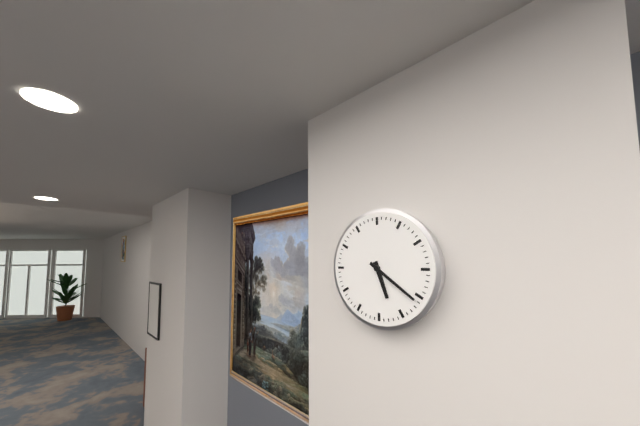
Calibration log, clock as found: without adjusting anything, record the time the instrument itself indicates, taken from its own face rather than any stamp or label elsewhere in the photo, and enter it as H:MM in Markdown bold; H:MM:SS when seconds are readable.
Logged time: **5:21**
